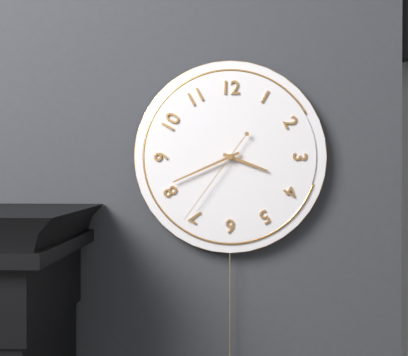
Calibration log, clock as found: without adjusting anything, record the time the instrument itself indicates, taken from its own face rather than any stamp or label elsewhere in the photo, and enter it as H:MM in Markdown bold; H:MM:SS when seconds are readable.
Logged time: **3:41:36**
